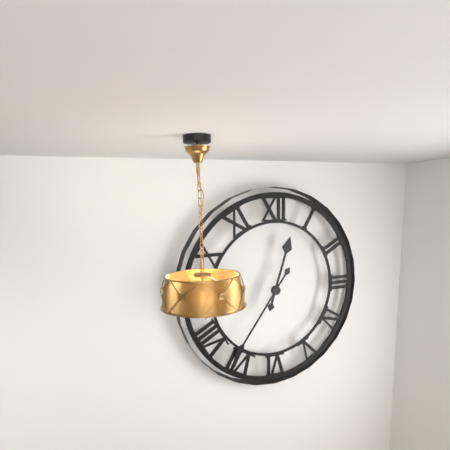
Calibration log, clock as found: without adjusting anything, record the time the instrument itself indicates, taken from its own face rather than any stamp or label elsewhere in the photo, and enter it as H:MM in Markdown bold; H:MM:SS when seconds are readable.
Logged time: **12:36**
